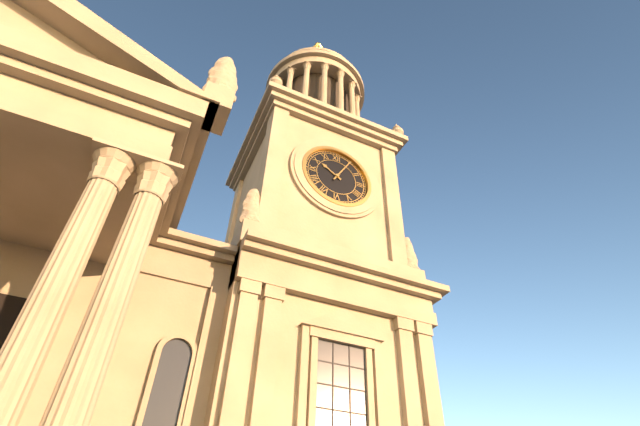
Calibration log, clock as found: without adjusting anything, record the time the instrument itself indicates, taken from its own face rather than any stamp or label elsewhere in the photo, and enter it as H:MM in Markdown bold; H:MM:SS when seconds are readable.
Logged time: **10:05**
